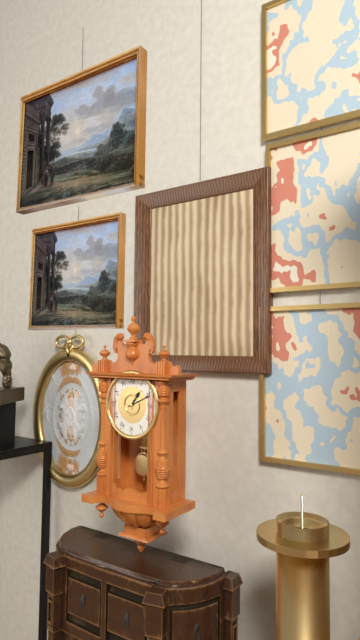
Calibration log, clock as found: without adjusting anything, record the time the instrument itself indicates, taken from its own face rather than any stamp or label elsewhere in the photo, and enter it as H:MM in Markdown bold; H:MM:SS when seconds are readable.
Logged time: **1:11**
